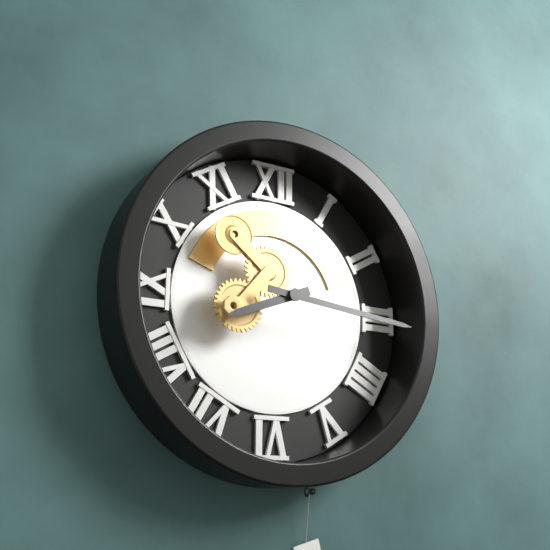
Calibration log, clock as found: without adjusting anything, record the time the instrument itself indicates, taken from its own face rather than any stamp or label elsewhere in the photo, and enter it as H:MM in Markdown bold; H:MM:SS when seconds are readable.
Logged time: **8:16**
